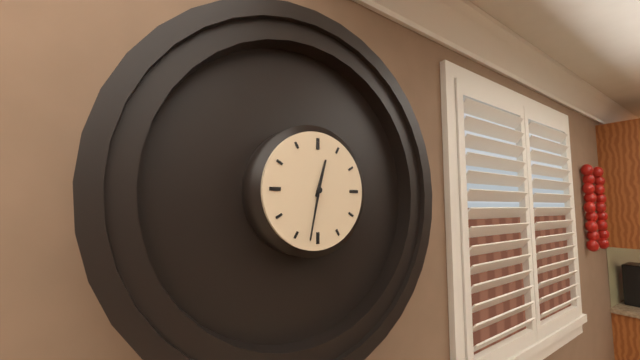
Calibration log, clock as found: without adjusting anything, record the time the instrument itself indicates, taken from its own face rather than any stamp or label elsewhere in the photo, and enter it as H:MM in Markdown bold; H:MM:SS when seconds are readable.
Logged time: **12:32**
